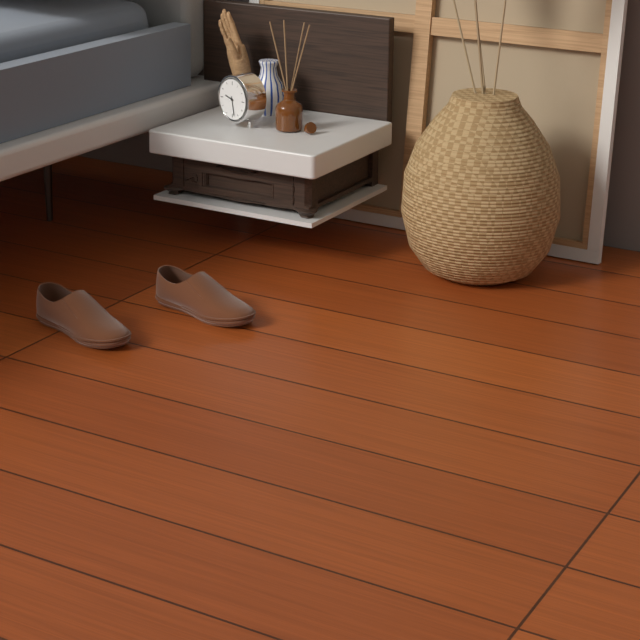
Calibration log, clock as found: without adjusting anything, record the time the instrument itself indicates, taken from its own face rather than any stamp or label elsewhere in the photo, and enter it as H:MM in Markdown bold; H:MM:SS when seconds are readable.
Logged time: **9:28**
